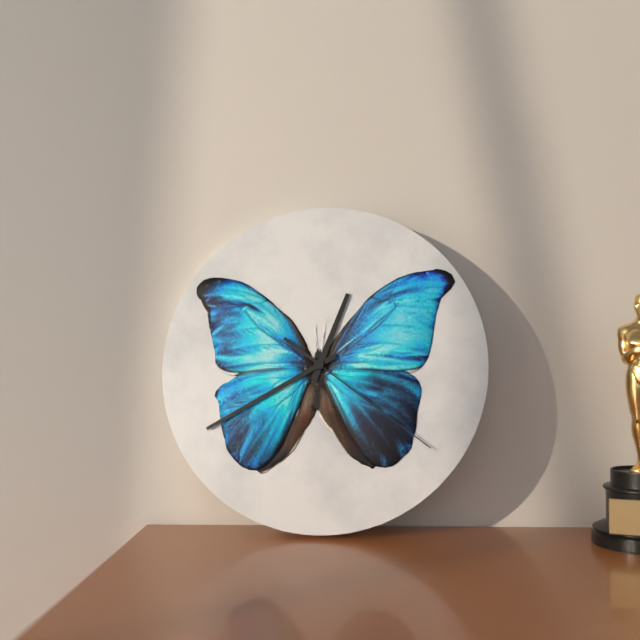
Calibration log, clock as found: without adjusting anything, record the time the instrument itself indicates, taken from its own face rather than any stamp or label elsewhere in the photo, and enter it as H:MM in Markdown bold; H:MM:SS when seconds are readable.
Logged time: **12:40:21**
